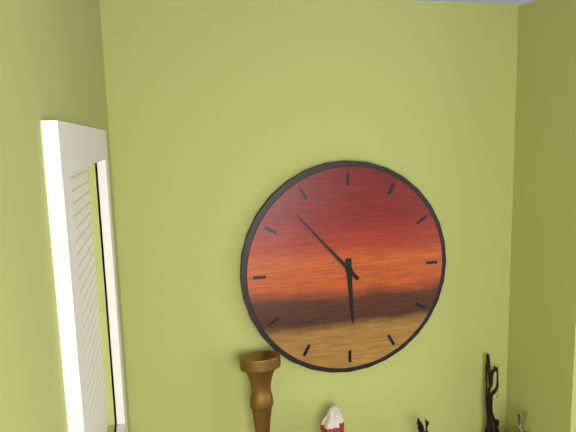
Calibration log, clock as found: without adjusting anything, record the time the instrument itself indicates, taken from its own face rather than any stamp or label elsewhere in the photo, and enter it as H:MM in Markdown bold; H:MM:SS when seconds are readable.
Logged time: **5:53**
